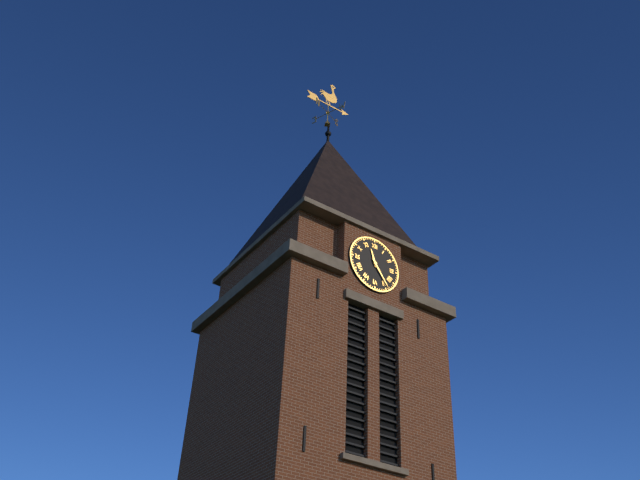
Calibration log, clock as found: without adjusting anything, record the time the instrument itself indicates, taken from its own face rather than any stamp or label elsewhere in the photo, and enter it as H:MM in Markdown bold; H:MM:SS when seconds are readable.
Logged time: **11:24**
